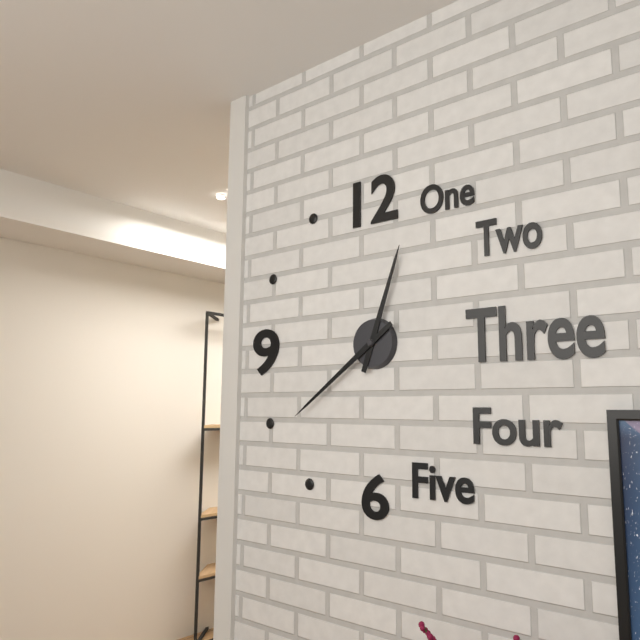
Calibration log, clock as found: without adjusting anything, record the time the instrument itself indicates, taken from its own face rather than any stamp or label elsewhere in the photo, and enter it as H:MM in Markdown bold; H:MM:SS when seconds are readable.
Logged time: **12:39**
